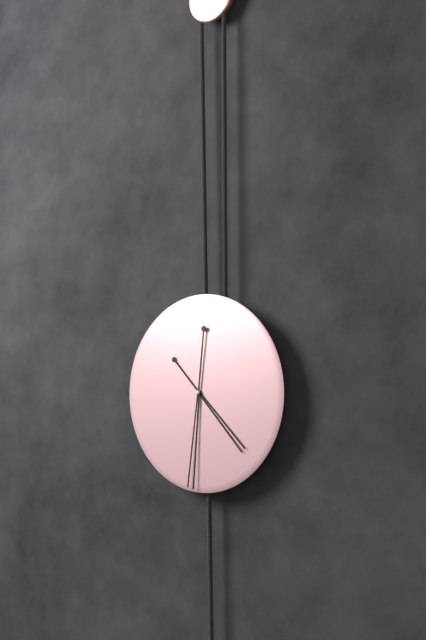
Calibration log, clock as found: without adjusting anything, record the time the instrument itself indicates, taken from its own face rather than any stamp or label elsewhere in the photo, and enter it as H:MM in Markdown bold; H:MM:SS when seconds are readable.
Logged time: **4:31**
